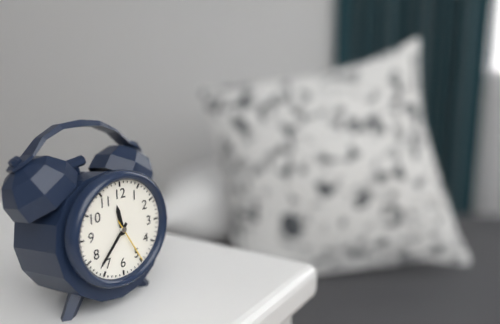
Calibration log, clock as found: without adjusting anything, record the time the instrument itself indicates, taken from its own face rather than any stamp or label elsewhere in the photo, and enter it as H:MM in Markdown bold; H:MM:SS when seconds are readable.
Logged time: **11:37**
